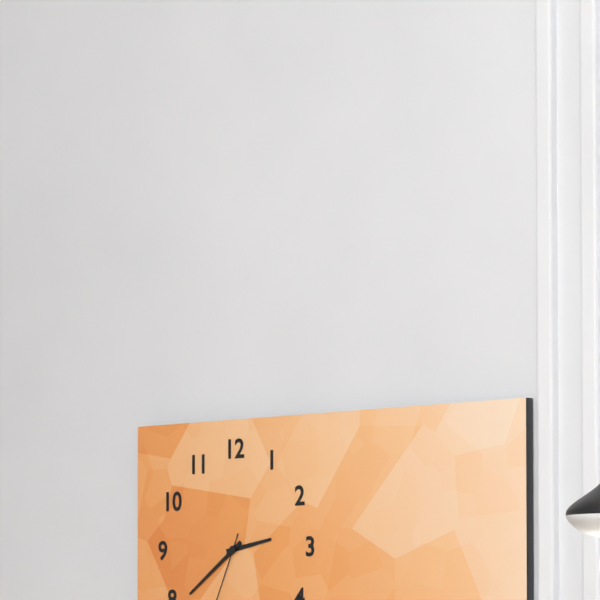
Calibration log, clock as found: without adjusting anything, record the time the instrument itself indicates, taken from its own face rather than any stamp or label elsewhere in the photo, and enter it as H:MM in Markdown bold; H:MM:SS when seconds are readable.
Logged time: **2:39**
